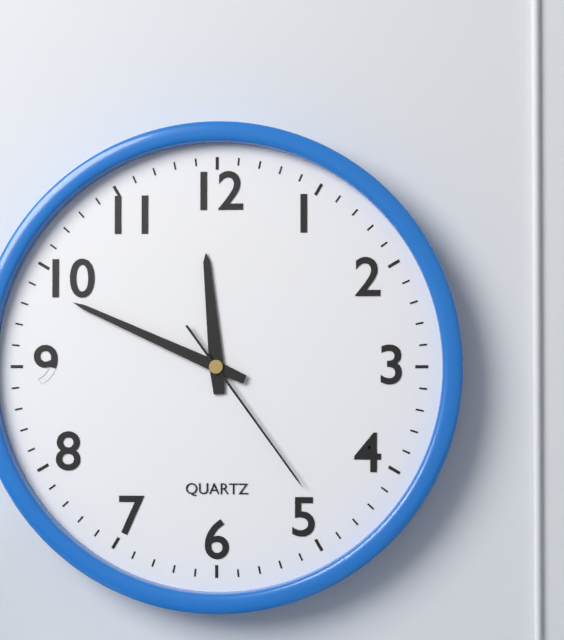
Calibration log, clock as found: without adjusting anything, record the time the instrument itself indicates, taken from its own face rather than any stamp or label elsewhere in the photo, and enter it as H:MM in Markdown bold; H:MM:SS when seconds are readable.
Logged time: **11:49:24**
